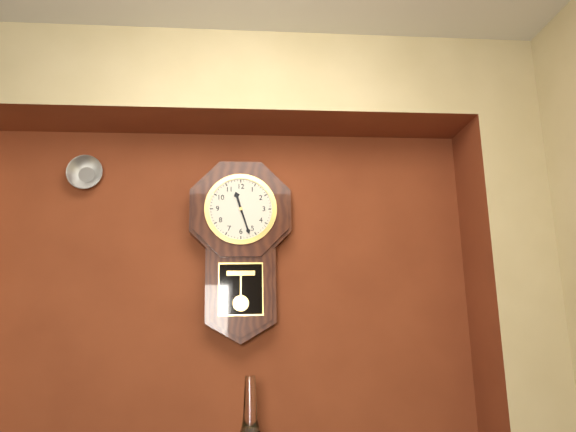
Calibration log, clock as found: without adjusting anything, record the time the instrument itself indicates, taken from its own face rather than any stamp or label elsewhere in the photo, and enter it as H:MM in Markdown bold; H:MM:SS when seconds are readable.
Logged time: **11:27**
